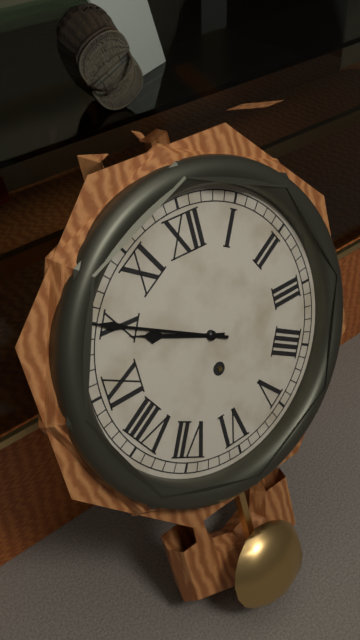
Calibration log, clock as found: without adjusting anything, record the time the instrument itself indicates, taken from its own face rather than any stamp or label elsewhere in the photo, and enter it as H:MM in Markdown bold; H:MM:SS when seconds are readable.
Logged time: **9:50**
